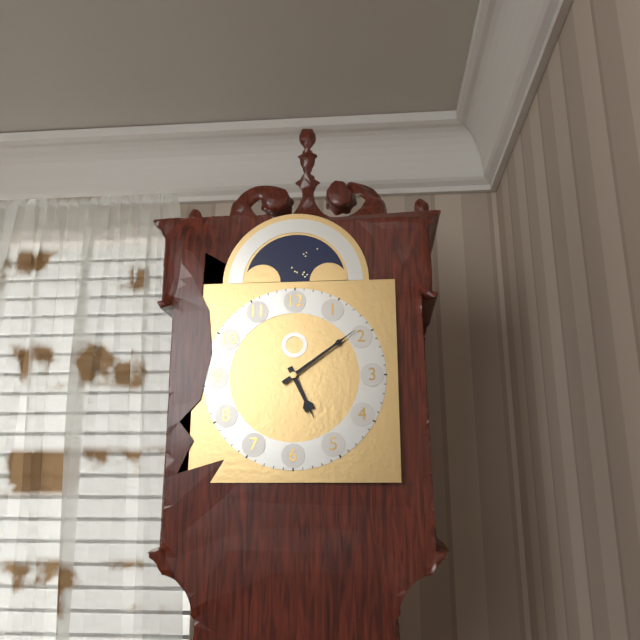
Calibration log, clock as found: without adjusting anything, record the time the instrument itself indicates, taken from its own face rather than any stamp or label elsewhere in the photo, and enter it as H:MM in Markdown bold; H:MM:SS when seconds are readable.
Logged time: **5:09**
